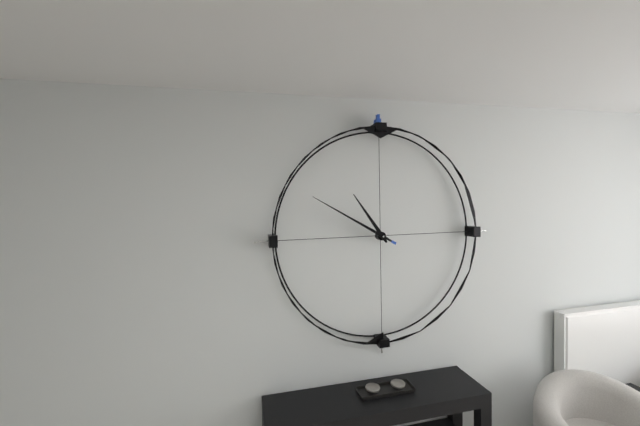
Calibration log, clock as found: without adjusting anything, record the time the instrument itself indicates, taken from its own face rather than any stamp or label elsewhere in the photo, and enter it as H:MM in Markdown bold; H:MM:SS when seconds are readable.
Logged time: **10:50**
